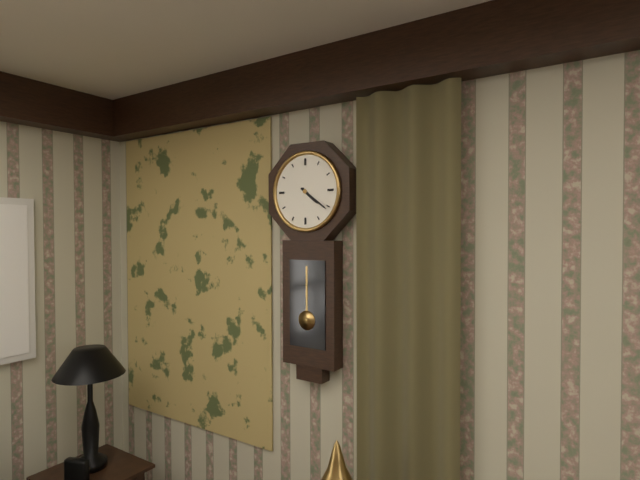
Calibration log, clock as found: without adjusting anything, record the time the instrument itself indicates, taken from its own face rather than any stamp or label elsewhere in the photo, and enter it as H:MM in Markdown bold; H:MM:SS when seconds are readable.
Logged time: **4:21**
